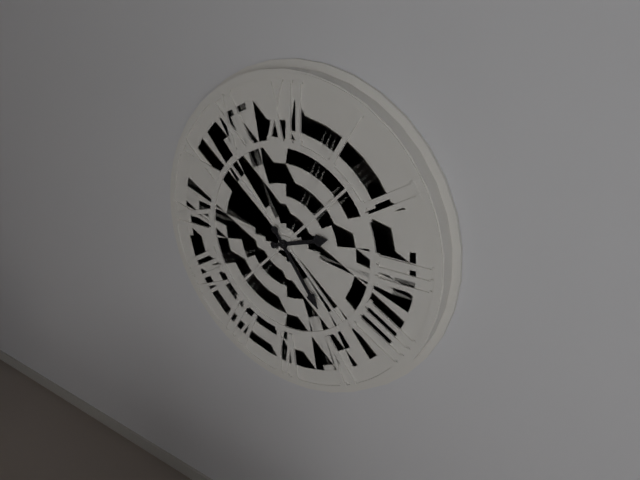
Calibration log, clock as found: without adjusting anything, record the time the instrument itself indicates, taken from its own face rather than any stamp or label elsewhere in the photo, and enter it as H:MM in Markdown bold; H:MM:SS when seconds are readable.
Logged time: **2:24**
